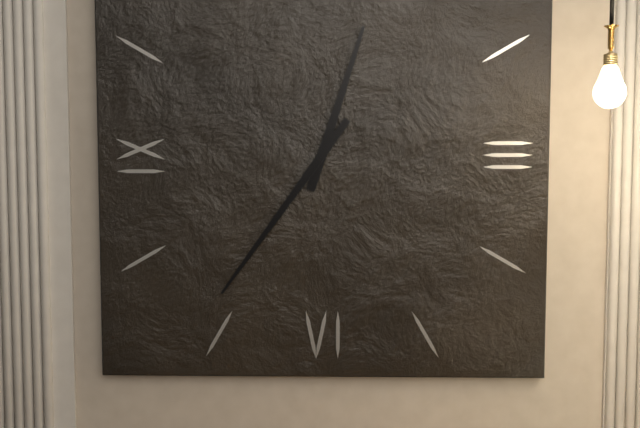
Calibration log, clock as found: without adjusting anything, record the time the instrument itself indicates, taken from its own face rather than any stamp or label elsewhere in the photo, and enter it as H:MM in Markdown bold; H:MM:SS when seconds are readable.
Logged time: **12:36**
